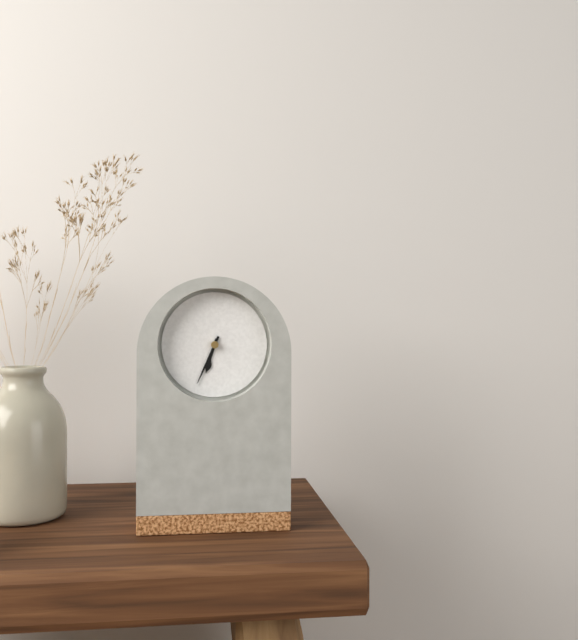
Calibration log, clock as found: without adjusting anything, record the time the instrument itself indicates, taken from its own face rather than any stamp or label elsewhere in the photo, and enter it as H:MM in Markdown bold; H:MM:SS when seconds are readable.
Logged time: **6:34**
